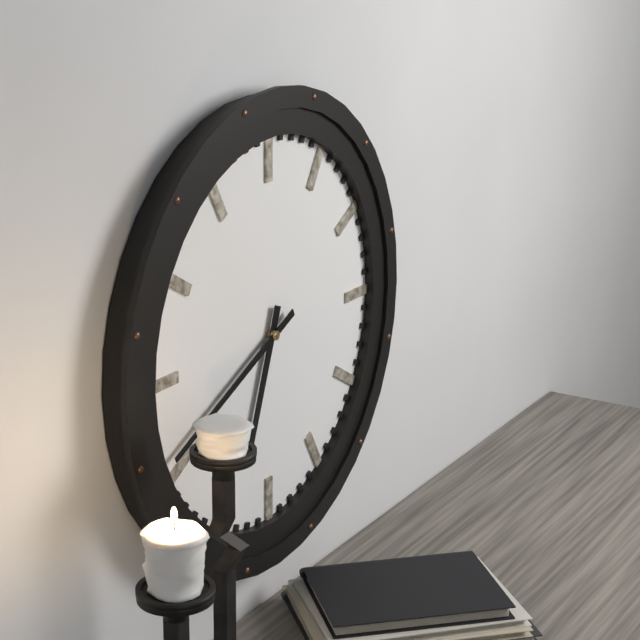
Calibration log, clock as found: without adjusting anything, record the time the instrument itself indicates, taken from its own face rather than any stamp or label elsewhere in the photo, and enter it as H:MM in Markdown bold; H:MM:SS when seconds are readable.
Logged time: **6:41**
